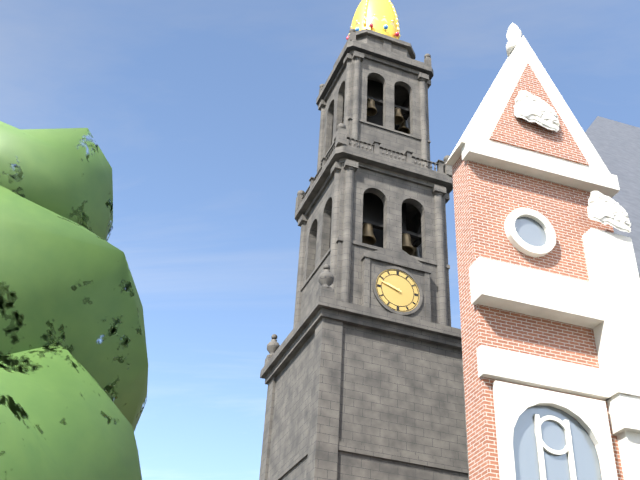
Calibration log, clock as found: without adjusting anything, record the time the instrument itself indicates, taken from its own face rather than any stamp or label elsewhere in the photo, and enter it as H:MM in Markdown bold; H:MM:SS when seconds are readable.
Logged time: **9:48**
